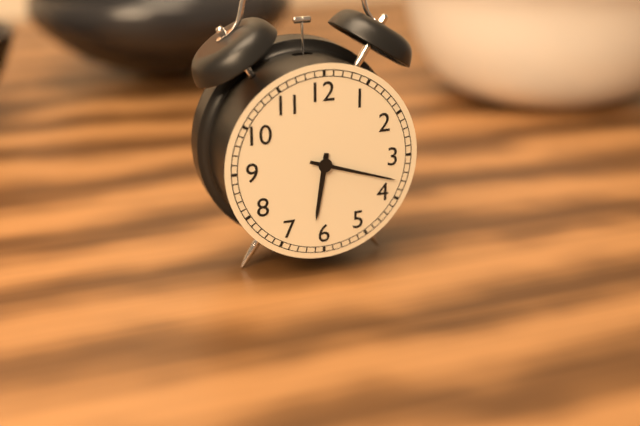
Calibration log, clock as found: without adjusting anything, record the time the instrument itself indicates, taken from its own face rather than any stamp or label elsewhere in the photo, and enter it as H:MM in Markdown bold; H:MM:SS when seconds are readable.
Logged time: **6:18**
